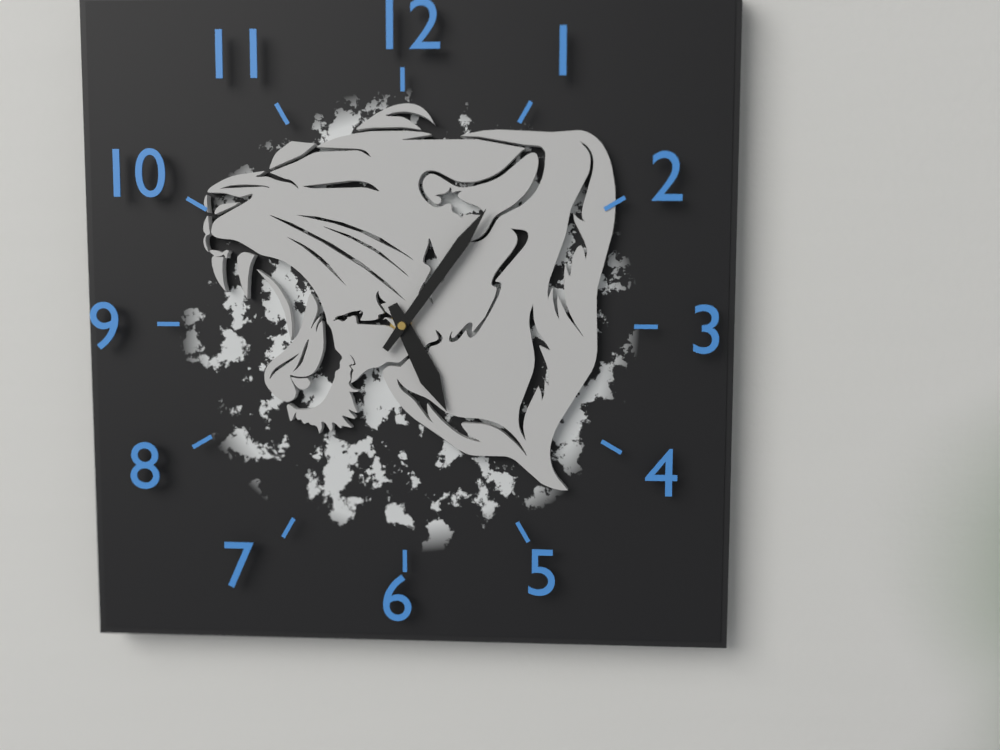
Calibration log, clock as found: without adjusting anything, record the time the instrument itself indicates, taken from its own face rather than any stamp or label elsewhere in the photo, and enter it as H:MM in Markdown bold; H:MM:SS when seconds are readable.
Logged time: **5:06**
